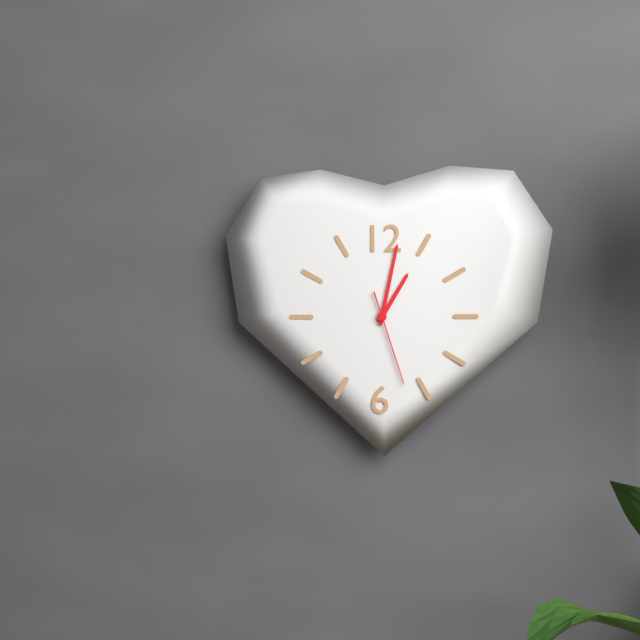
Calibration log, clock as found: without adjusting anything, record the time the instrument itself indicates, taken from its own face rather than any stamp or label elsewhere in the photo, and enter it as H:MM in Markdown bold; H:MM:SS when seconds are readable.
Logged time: **1:02:27**
